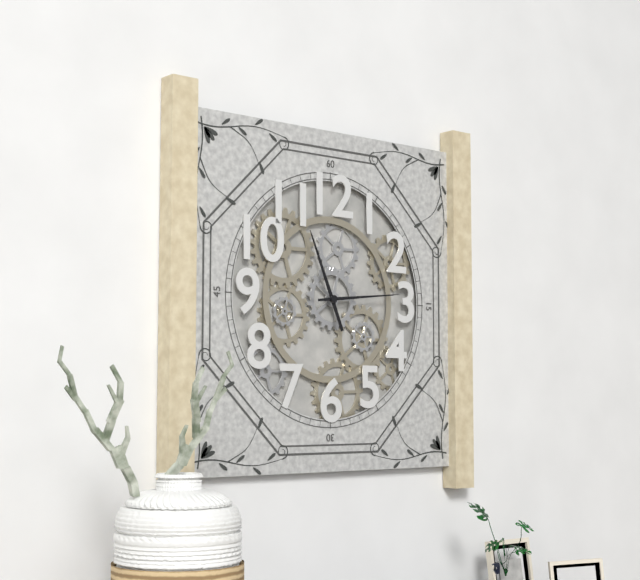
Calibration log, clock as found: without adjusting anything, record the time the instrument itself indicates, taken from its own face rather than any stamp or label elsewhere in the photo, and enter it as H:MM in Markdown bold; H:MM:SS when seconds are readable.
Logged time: **11:14**
